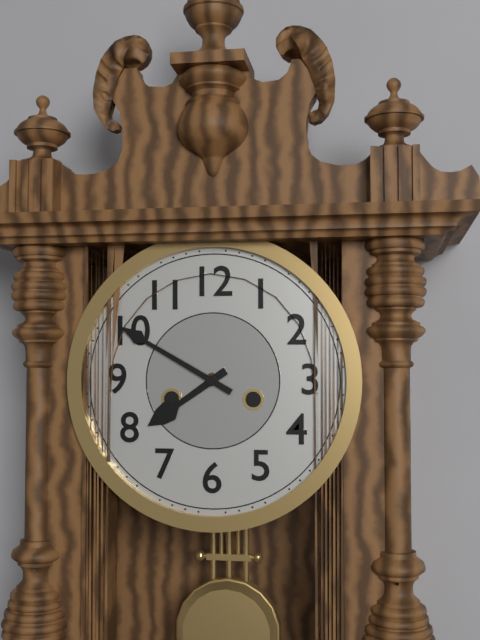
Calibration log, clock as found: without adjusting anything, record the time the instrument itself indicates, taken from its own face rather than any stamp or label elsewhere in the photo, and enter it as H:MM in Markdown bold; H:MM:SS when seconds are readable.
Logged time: **7:50**
